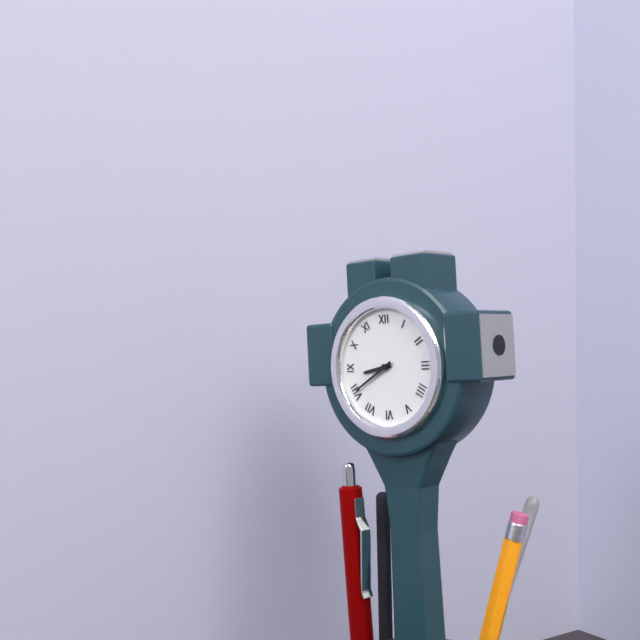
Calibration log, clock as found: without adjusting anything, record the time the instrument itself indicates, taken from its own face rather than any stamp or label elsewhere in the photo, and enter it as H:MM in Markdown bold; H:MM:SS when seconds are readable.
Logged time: **8:40**
